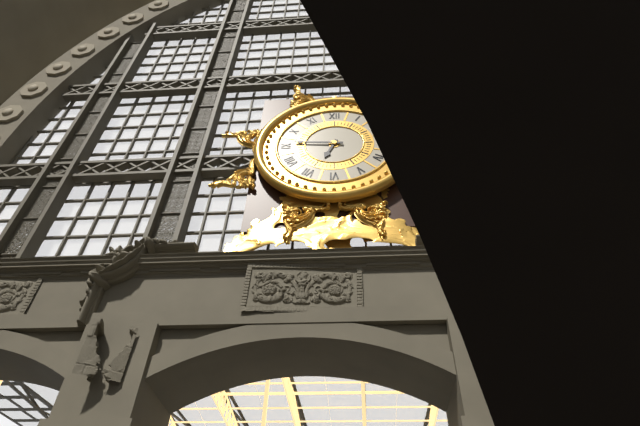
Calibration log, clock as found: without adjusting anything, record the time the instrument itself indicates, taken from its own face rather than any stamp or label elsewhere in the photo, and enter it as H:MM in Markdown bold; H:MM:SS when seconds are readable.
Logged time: **6:46**
